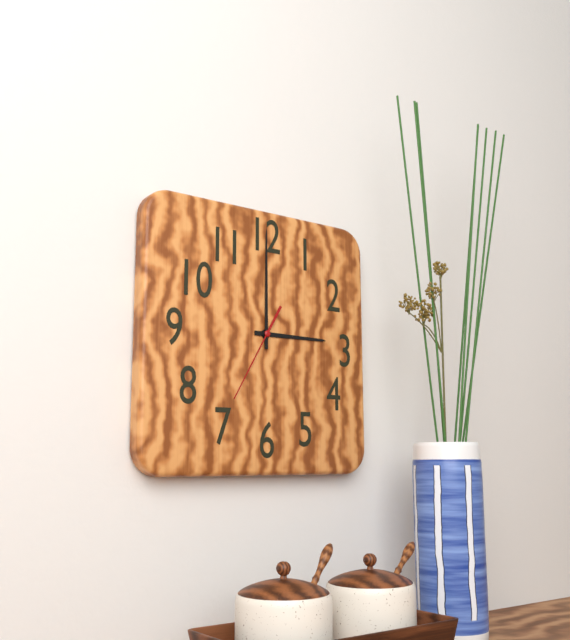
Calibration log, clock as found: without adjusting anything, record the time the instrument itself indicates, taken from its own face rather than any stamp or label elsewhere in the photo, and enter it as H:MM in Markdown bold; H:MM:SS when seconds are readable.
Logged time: **3:00:35**
